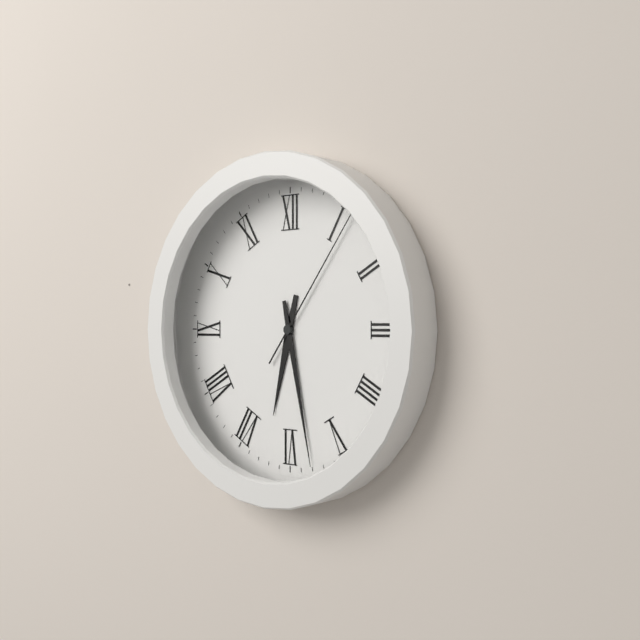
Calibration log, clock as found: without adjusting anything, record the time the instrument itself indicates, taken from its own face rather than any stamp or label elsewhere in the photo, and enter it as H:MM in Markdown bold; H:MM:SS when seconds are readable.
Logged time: **6:28:06**
